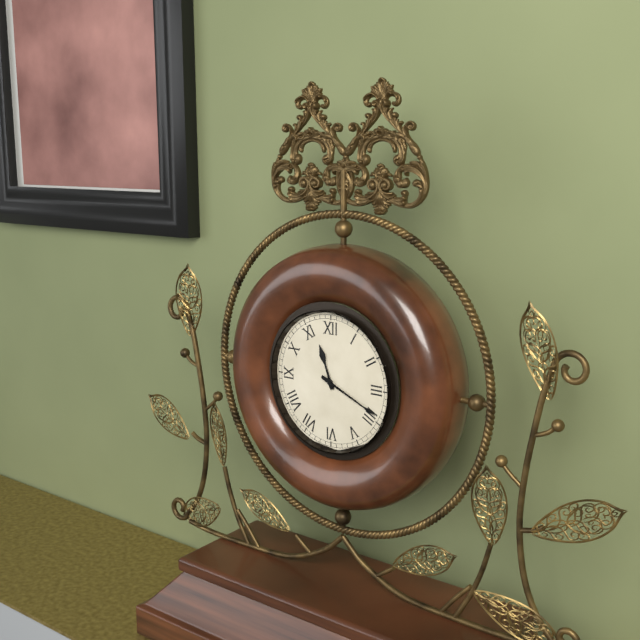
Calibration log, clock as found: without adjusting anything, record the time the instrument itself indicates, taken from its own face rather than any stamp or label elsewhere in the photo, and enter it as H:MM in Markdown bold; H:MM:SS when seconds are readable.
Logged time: **11:19**
